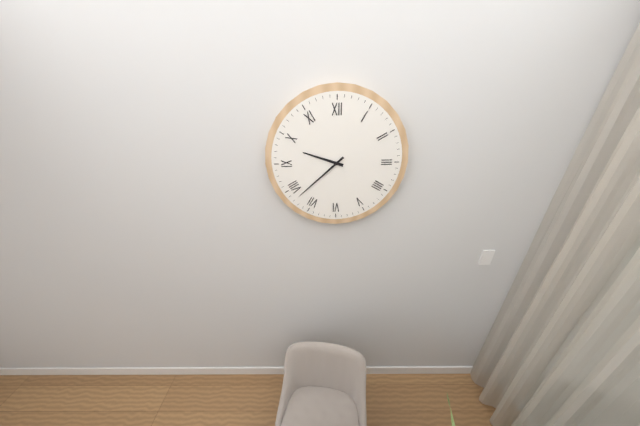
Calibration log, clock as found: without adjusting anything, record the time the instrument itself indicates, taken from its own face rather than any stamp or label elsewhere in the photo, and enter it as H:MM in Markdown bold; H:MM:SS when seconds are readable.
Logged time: **9:38**
